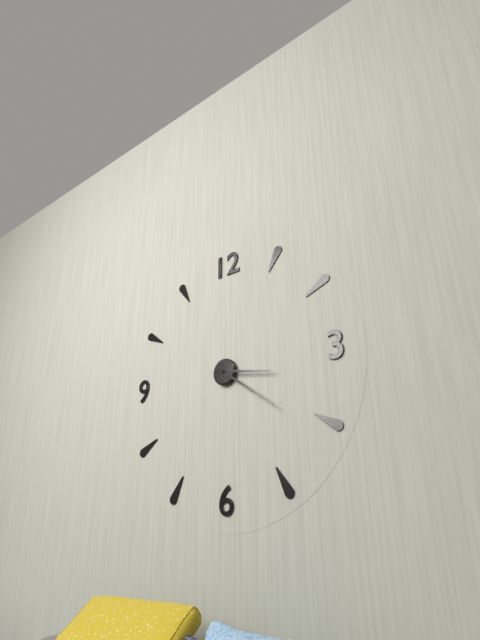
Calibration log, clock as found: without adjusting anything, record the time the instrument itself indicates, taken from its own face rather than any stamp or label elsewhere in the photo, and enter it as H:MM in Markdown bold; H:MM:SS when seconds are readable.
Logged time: **3:21**
